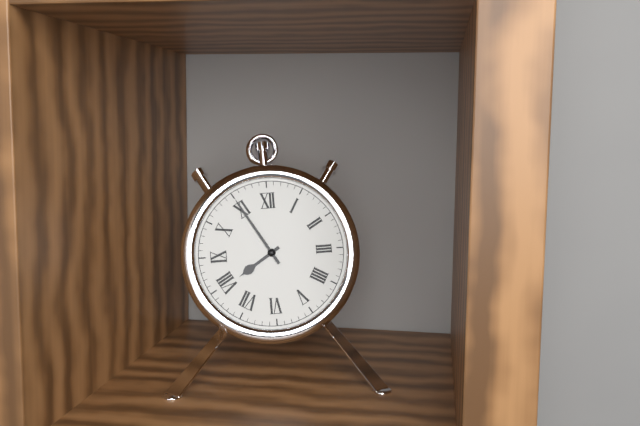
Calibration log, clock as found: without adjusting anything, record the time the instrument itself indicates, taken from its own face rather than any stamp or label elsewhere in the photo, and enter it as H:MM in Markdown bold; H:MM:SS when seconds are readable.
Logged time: **7:55**
